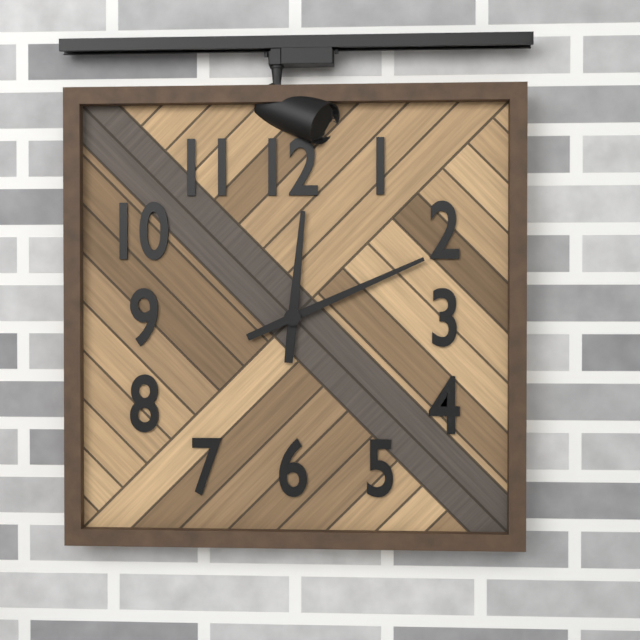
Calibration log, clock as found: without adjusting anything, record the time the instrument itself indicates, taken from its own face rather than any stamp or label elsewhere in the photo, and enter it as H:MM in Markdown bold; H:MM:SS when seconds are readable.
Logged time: **12:11**
